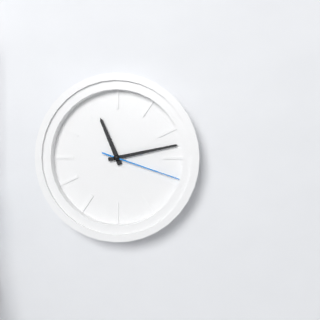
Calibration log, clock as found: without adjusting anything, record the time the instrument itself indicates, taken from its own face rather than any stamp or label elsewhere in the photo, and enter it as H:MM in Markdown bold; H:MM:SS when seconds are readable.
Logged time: **11:13:18**
